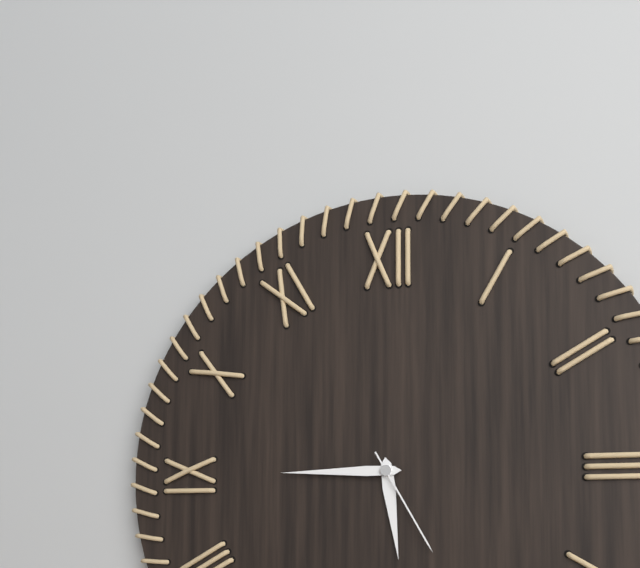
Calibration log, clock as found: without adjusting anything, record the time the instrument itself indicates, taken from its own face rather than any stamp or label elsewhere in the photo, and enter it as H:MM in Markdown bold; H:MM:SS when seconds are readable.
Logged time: **5:45:25**
